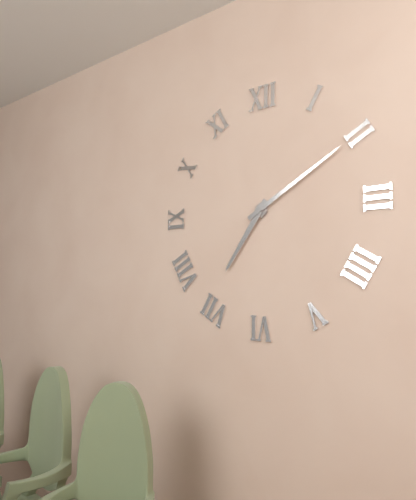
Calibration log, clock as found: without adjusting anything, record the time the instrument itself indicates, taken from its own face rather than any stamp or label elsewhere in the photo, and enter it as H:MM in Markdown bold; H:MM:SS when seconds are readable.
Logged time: **7:10**
